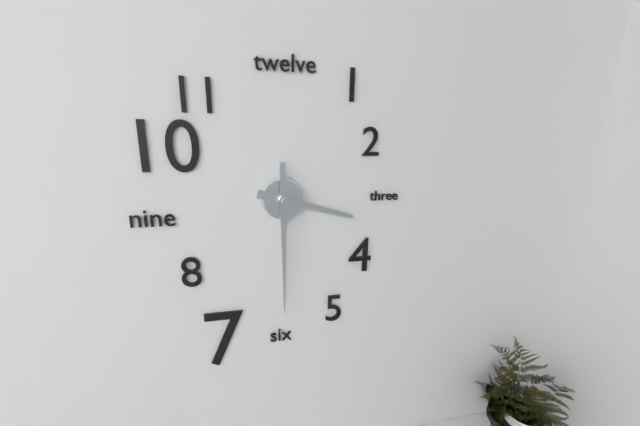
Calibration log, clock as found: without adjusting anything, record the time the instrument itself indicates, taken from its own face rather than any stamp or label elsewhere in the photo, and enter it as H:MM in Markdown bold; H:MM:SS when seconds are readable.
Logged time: **3:30**
